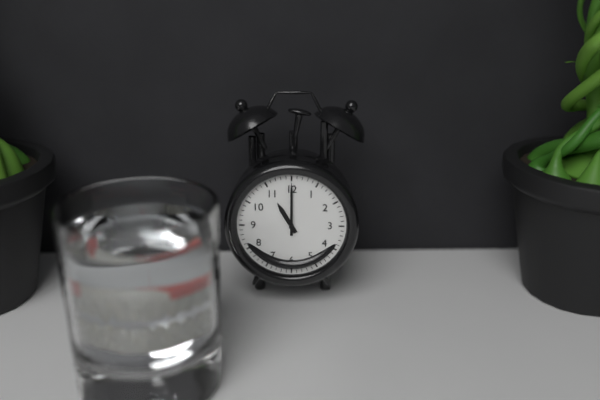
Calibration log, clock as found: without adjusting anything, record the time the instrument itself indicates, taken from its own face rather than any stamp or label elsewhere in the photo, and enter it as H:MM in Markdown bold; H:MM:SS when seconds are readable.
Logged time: **11:00**
